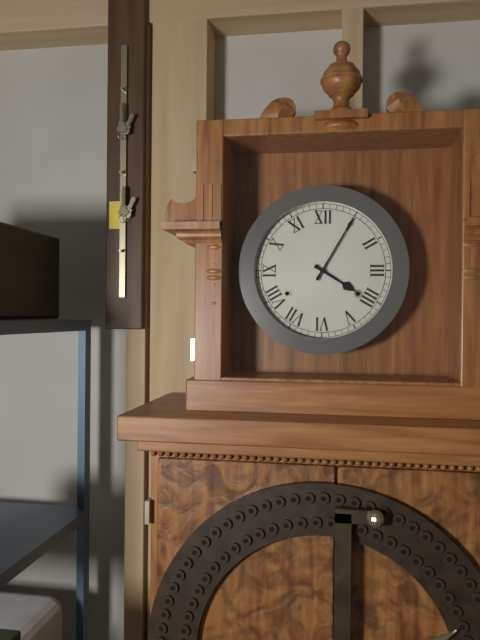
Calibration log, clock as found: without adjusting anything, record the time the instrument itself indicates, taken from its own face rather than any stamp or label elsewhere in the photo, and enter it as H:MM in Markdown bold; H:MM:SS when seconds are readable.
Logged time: **4:05**
